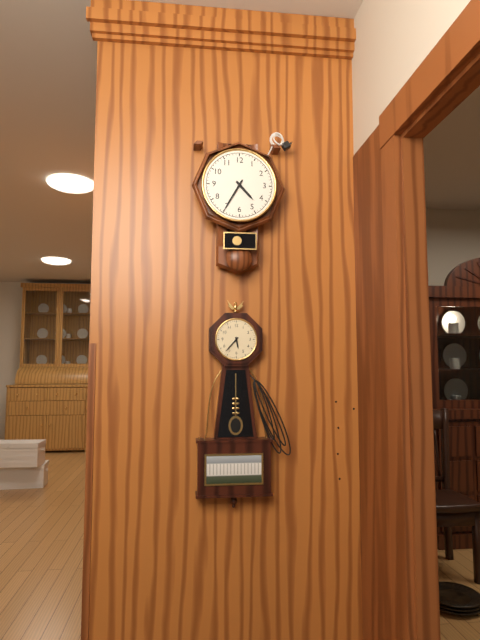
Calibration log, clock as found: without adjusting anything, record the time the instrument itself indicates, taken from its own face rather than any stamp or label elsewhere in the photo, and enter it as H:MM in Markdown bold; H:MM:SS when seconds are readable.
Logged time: **4:35**
